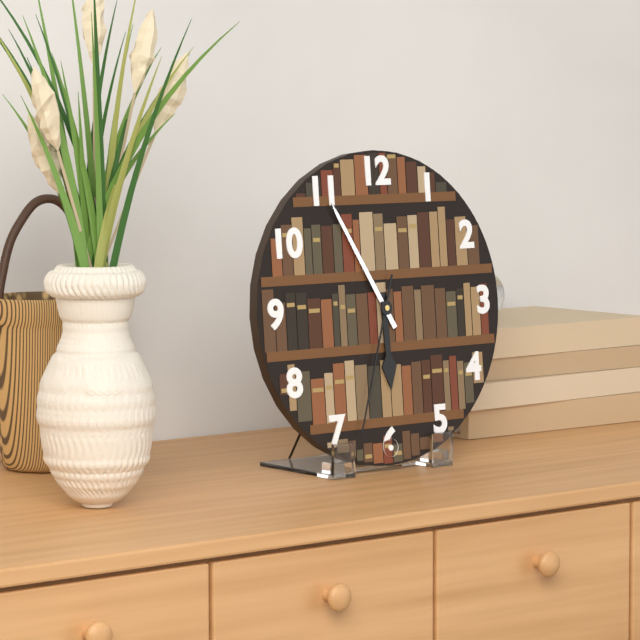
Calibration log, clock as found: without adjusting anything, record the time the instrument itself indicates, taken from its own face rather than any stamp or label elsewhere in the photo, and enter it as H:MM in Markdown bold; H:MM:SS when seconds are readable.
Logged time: **5:55:33**
